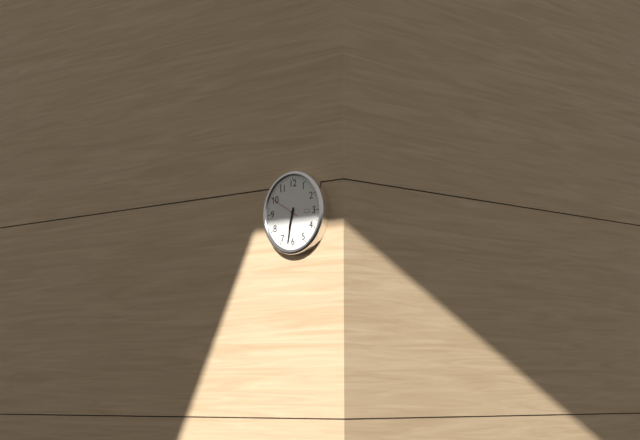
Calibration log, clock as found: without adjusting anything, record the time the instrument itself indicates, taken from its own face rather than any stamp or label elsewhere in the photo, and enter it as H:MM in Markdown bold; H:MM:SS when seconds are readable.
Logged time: **6:32**
